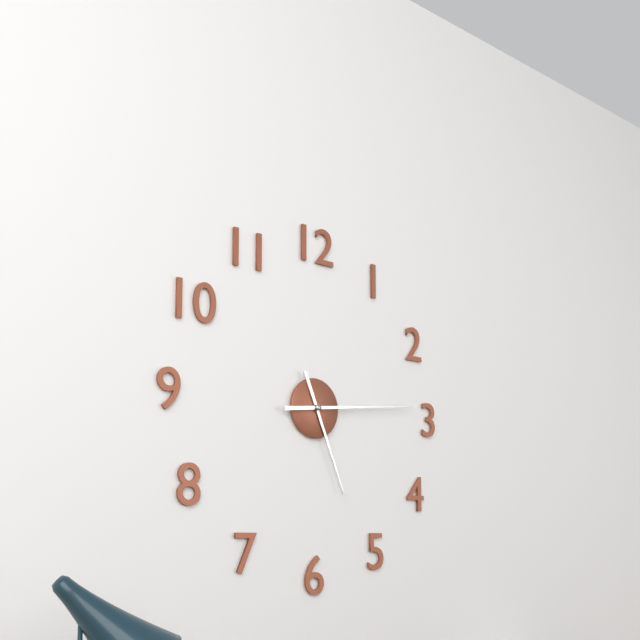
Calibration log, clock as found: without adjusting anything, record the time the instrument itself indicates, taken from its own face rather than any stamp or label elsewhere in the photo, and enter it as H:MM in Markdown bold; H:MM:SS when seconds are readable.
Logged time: **5:14**
